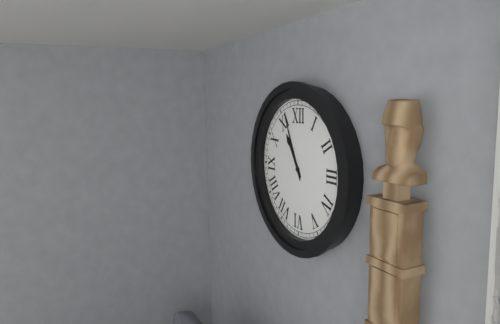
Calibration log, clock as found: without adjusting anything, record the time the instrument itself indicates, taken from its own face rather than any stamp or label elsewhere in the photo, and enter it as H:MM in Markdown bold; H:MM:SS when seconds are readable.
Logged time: **10:56**
